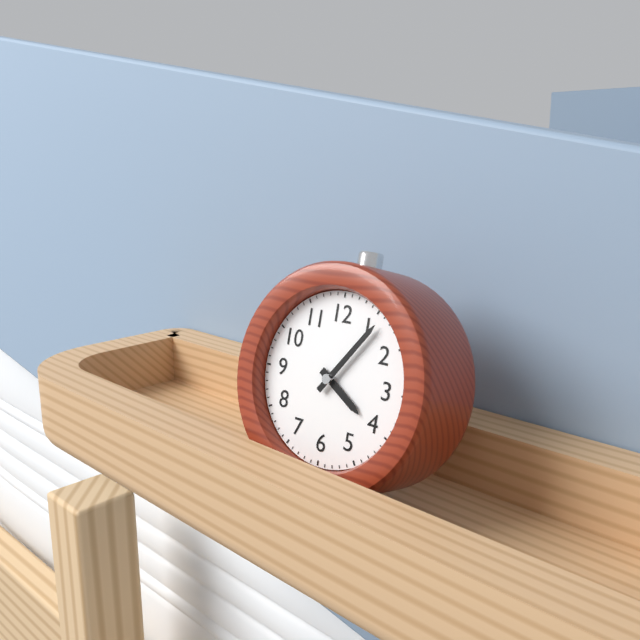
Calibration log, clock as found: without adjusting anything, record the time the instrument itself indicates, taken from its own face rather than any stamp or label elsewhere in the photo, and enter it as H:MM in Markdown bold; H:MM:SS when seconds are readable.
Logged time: **4:06**
